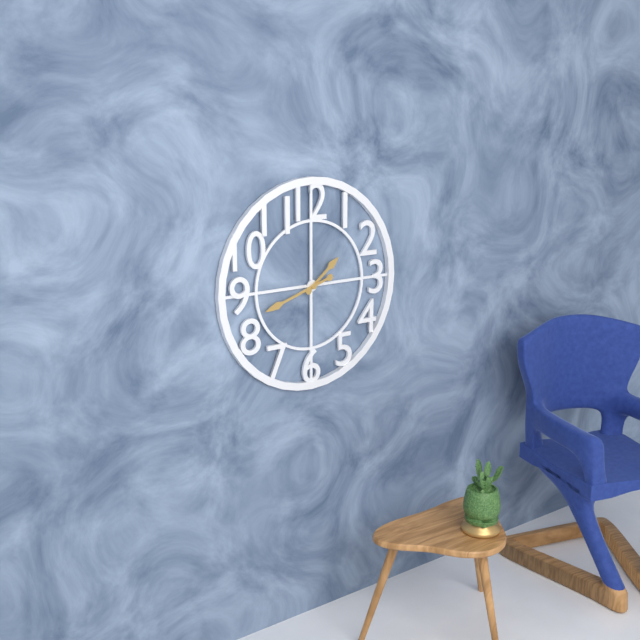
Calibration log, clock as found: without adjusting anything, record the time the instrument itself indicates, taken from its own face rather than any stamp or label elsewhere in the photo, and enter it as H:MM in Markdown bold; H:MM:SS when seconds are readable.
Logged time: **1:42**
